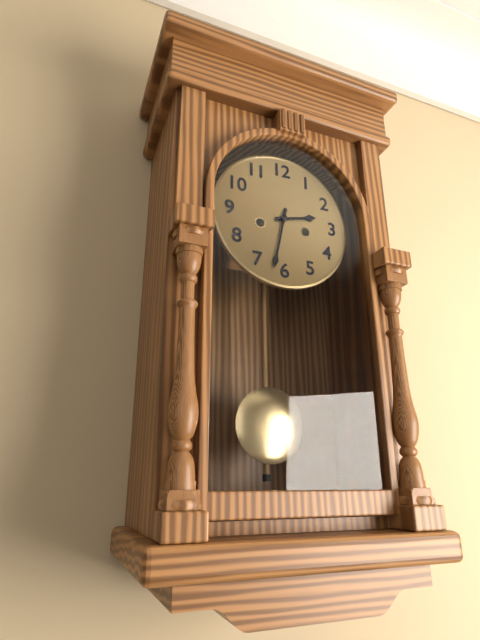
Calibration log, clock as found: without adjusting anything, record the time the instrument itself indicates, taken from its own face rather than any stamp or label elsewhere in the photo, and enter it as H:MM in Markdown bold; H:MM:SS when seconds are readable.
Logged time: **2:32**
